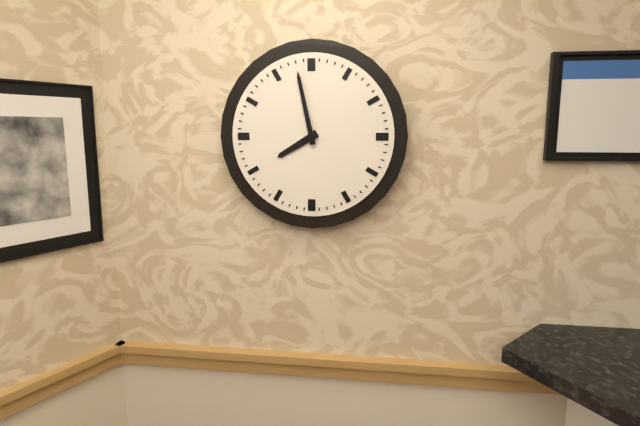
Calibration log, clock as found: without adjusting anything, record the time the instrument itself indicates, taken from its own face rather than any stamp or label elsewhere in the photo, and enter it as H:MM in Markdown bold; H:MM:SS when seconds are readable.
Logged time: **7:58**
